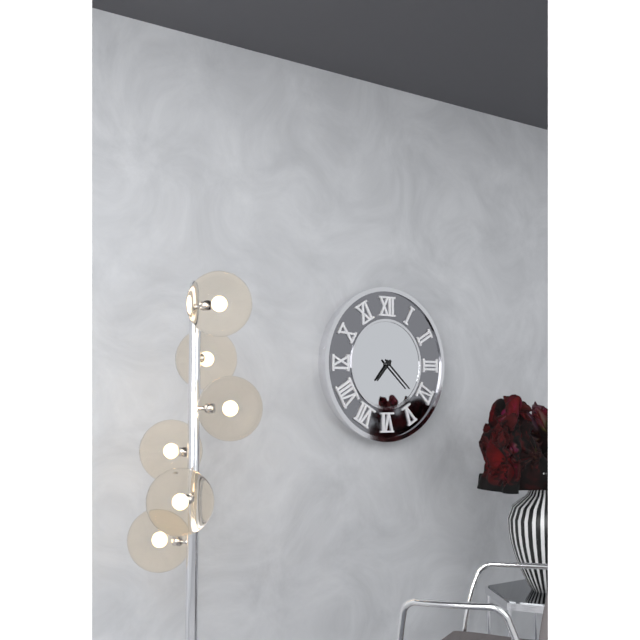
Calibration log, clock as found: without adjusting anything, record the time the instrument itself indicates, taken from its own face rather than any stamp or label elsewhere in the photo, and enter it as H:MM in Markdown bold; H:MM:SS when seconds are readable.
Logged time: **7:22**
